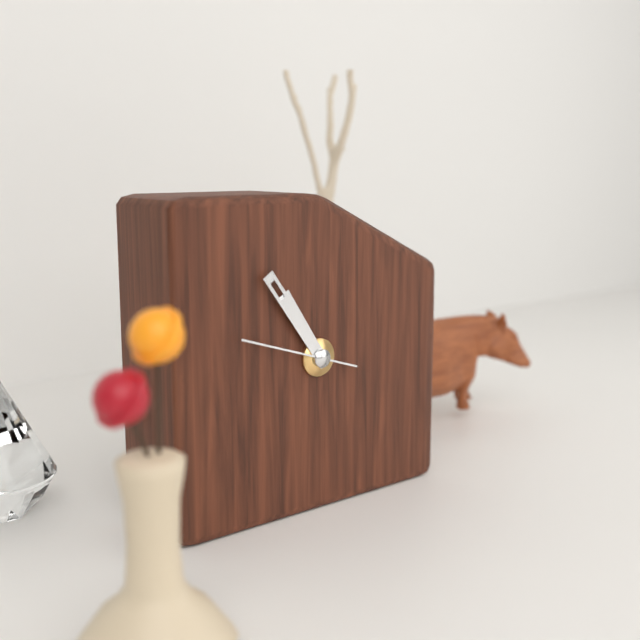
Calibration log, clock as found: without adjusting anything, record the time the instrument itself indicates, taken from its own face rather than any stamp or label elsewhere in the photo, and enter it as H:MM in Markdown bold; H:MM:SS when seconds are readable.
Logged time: **10:54:48**
